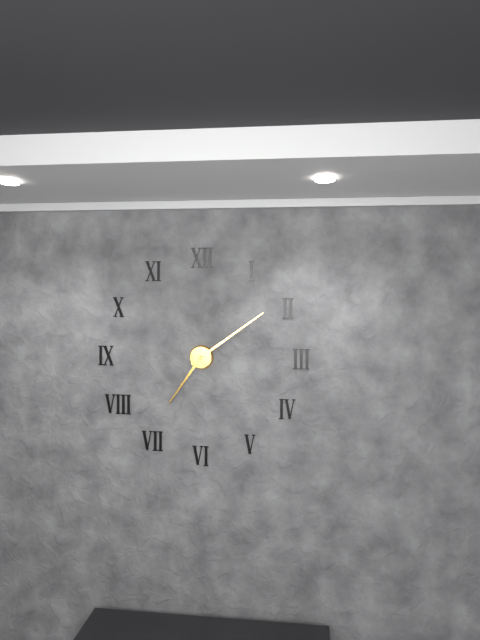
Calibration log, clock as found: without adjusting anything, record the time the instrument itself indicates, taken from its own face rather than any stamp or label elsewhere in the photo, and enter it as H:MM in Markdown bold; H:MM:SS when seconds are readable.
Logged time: **7:09**
